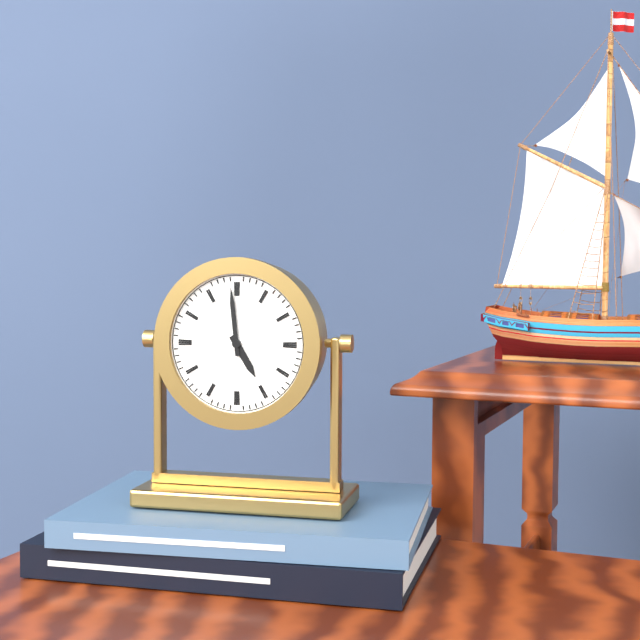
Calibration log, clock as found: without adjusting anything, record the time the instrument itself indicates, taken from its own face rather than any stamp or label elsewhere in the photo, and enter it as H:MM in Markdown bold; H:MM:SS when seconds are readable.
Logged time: **4:59**
